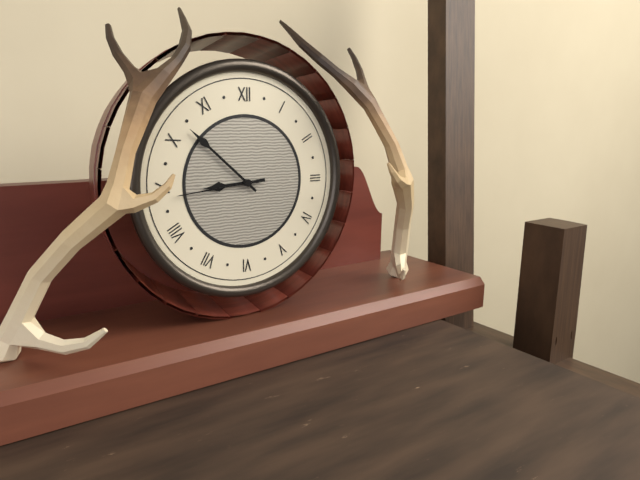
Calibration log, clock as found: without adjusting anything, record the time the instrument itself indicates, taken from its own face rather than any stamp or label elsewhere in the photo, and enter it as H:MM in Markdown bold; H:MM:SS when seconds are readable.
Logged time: **8:52:44**
